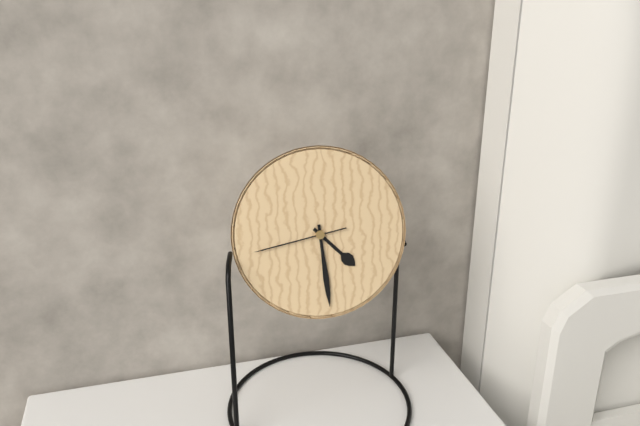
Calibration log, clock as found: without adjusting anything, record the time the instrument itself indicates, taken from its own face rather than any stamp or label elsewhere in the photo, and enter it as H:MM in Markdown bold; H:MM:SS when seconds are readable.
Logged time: **4:29:43**
